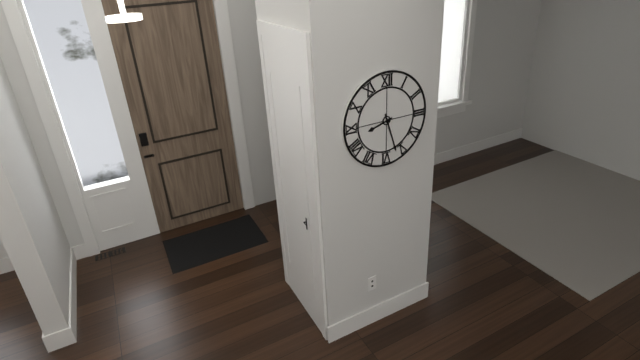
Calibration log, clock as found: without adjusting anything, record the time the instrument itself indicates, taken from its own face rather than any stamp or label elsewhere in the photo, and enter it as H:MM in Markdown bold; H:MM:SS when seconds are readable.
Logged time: **8:27**
